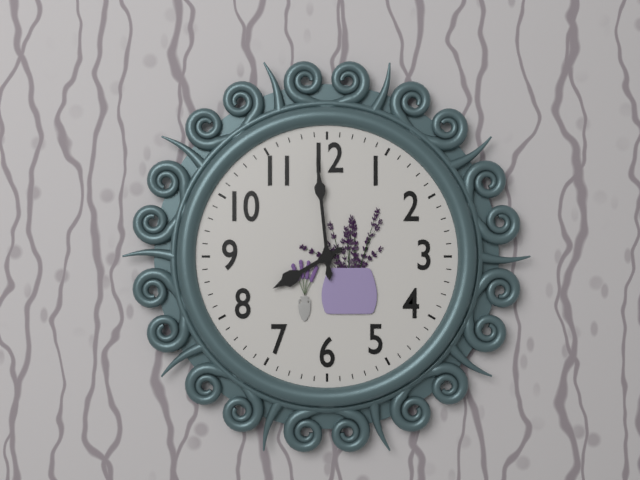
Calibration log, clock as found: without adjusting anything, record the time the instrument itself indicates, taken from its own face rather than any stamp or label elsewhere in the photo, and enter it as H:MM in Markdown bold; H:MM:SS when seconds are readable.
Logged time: **7:59**
